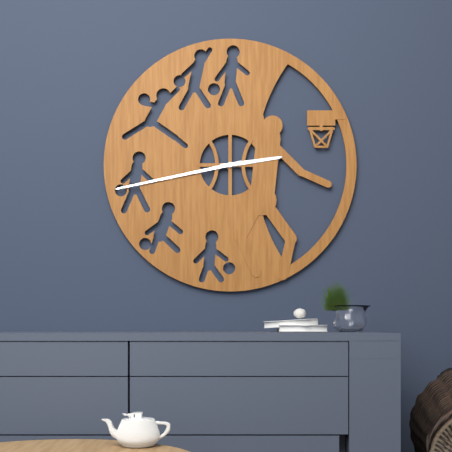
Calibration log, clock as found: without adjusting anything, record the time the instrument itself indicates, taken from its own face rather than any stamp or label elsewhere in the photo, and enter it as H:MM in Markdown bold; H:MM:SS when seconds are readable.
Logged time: **2:43**
